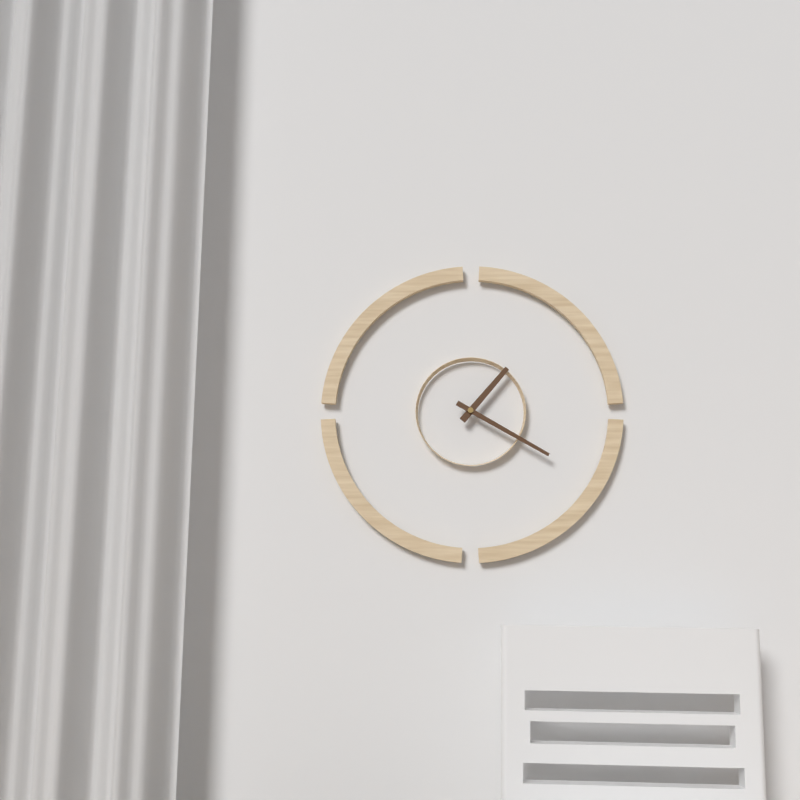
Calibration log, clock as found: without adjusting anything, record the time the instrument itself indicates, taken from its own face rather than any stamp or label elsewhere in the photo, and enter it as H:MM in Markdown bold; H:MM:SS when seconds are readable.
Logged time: **1:20**
